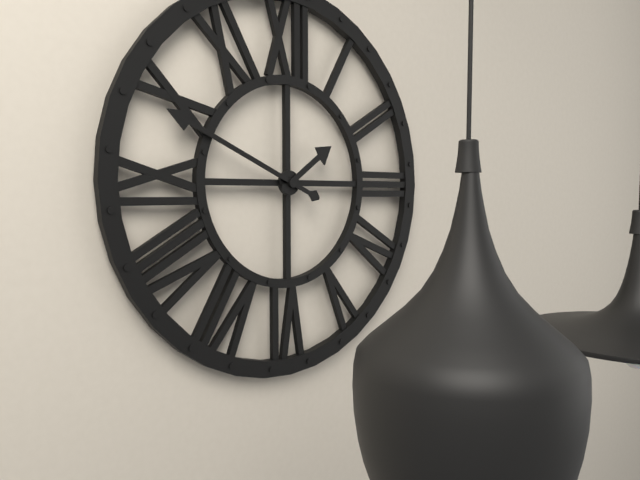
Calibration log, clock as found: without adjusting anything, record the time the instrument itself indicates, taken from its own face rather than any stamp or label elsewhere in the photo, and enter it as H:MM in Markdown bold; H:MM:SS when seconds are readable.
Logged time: **1:49**
